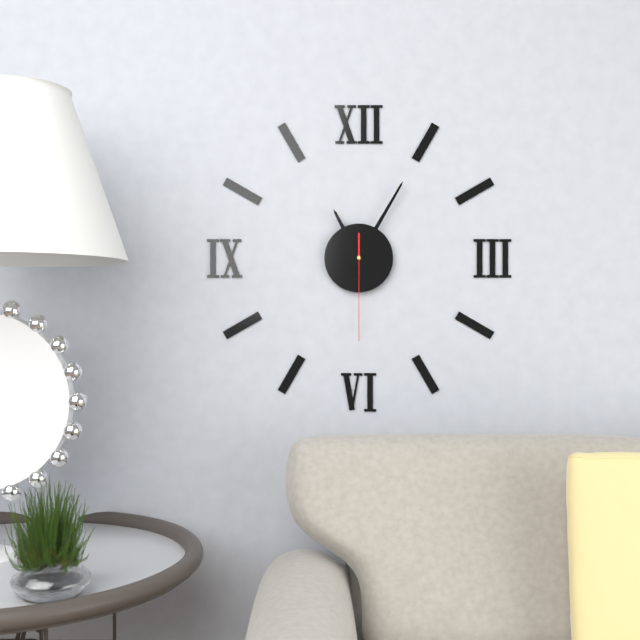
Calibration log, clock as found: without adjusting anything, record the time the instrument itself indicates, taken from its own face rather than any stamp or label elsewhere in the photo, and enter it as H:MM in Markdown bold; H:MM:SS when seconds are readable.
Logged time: **11:05:30**
